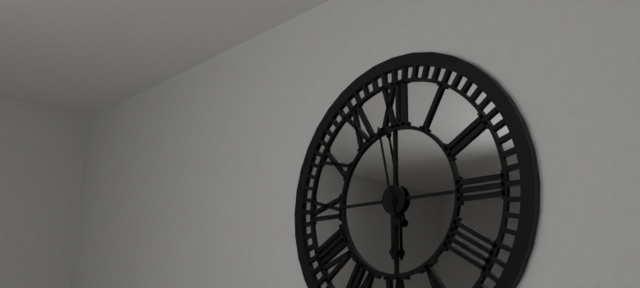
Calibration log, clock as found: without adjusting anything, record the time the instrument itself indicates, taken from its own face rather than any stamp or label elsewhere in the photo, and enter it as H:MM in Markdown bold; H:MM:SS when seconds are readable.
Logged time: **5:58**
